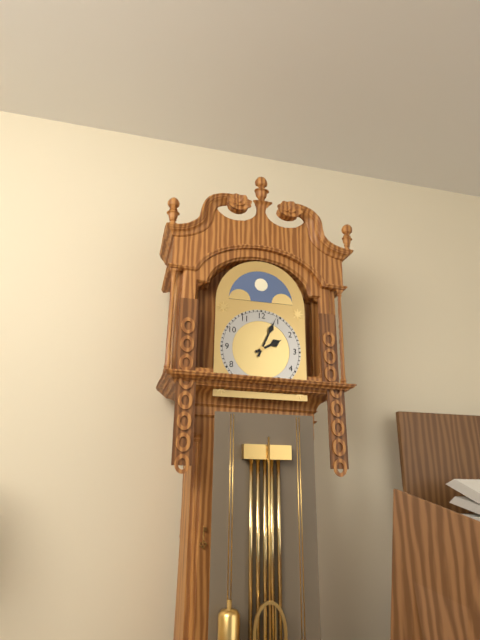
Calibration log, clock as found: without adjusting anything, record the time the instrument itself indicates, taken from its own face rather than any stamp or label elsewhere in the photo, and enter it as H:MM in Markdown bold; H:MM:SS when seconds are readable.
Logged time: **2:04**
